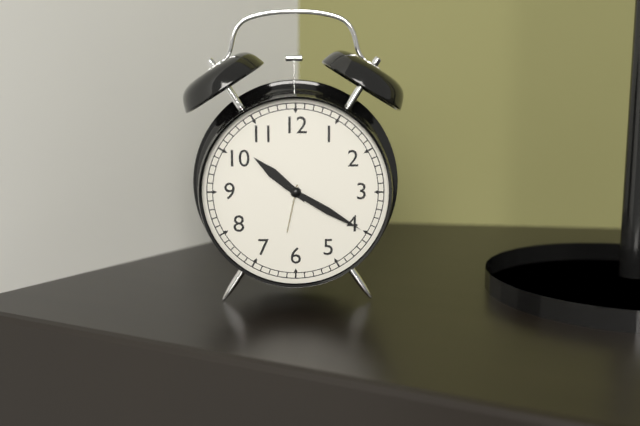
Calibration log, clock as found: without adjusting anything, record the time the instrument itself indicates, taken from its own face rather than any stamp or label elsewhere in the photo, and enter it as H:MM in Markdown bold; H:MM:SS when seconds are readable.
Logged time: **10:20**
